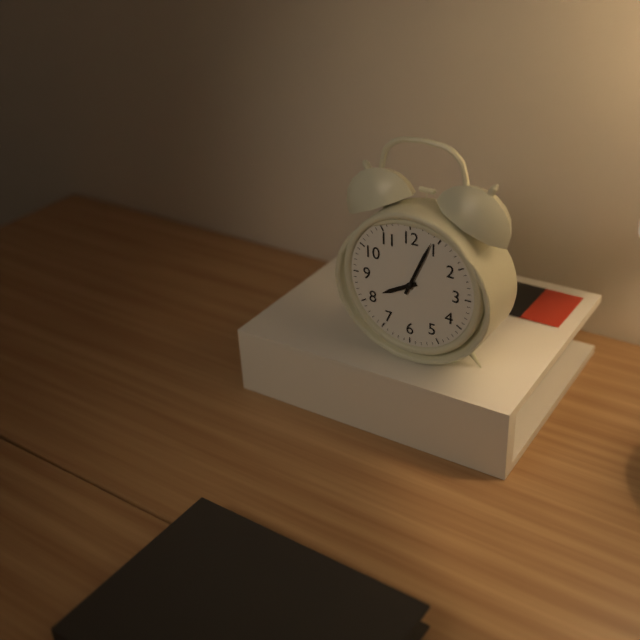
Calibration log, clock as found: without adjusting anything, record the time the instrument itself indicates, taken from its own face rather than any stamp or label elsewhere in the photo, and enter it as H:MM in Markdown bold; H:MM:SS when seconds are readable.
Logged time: **8:04**
